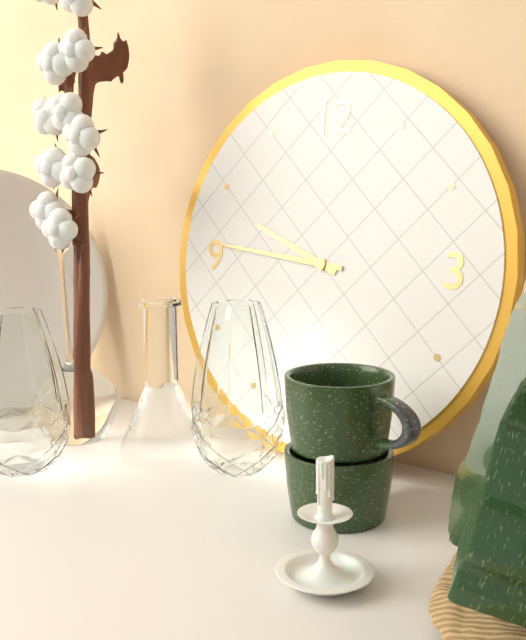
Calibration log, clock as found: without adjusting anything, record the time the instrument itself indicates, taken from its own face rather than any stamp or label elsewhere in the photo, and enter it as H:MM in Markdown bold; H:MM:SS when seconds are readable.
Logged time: **9:46**
